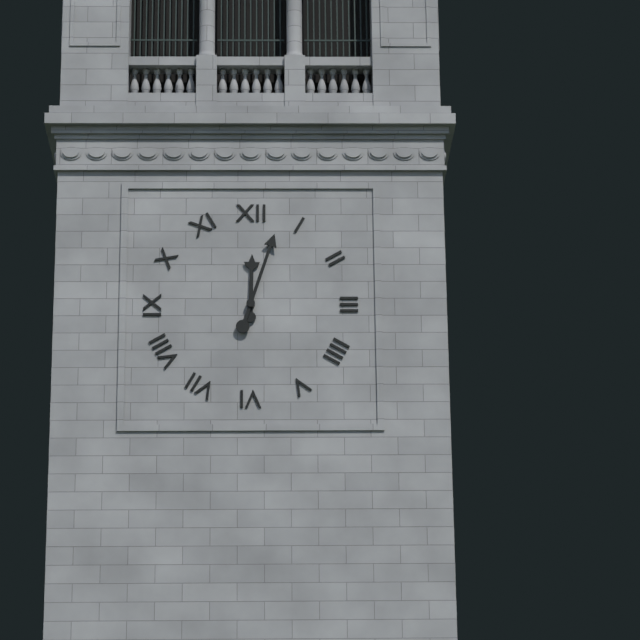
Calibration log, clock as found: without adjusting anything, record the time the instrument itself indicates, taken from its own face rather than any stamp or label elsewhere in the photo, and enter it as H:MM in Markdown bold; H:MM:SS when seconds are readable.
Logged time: **12:03**
